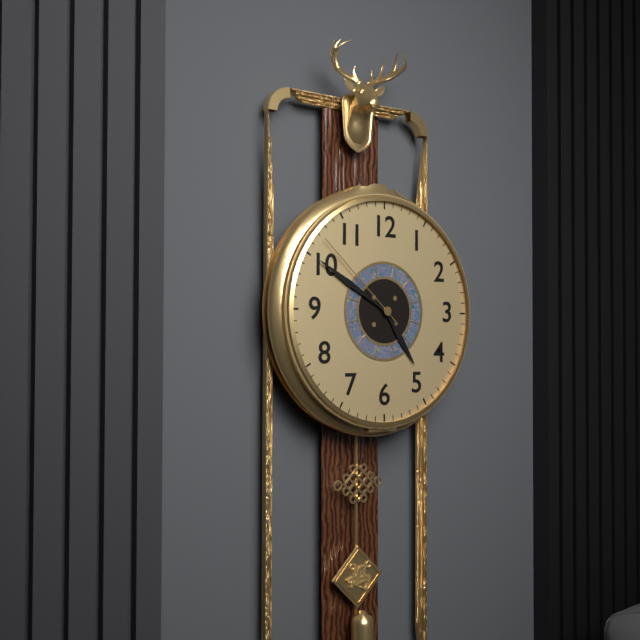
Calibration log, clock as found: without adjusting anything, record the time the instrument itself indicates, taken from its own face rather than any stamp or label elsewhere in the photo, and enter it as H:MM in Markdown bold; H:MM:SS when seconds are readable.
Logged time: **4:50:52**
